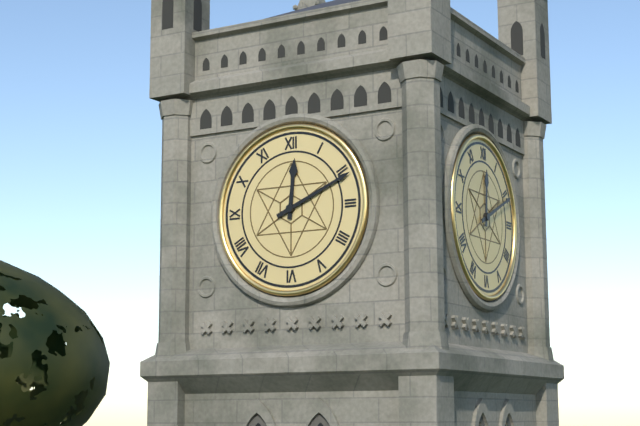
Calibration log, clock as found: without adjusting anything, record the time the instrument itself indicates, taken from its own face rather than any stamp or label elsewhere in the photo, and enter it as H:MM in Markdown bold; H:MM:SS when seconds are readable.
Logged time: **12:11**
